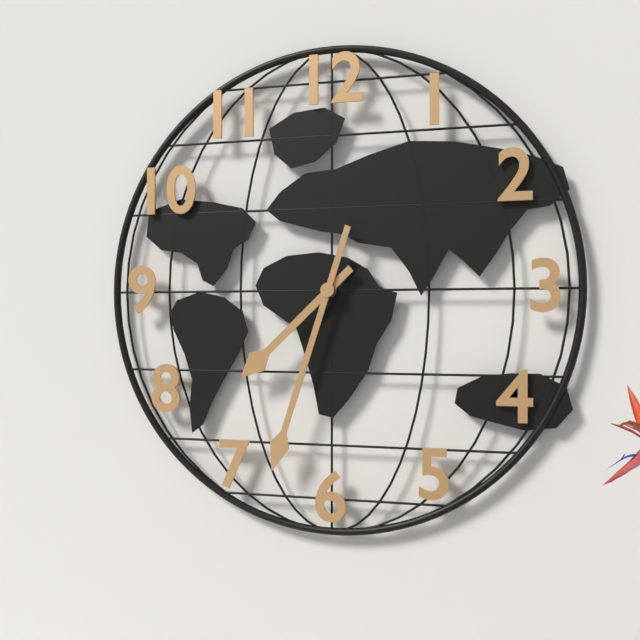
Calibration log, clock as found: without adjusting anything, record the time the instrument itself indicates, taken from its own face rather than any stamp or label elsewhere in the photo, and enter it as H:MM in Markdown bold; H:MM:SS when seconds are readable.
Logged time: **7:33**
